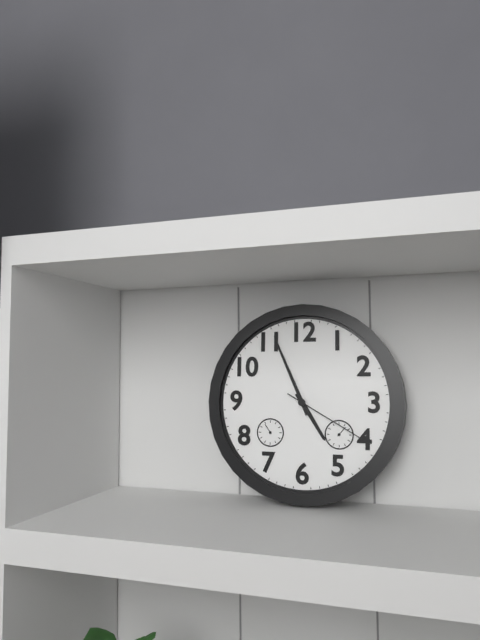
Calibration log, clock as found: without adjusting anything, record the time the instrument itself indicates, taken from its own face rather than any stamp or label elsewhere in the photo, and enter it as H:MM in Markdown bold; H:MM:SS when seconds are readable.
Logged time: **4:56:20**
